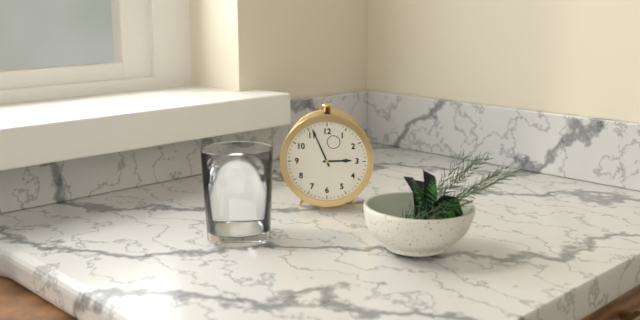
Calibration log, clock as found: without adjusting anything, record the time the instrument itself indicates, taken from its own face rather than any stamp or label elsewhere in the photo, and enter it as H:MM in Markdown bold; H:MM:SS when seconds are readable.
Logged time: **2:56**
